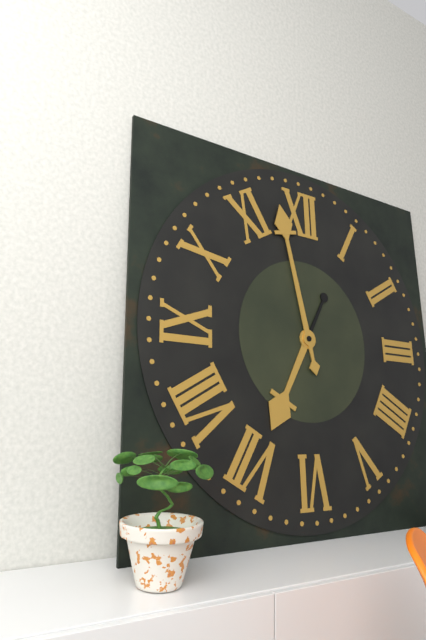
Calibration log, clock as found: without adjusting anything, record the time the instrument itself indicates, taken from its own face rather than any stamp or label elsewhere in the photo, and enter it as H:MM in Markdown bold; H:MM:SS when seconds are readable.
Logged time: **6:58**
